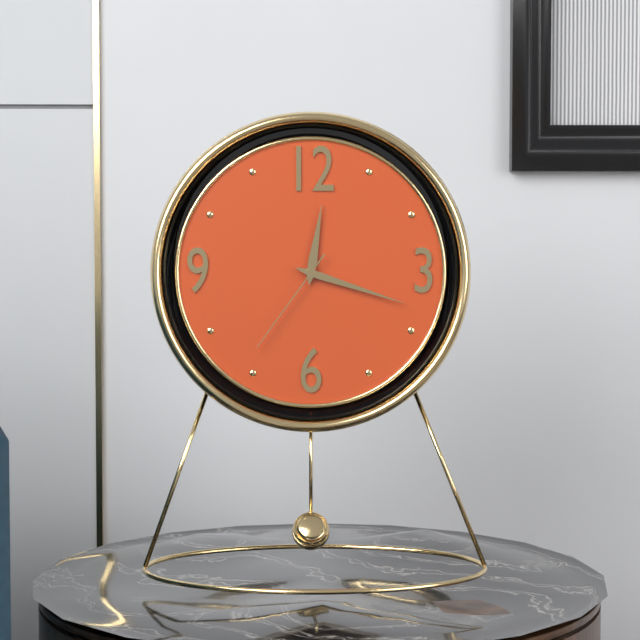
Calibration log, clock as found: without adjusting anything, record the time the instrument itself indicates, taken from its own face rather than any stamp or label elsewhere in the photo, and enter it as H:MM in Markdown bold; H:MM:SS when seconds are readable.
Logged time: **12:18:36**
